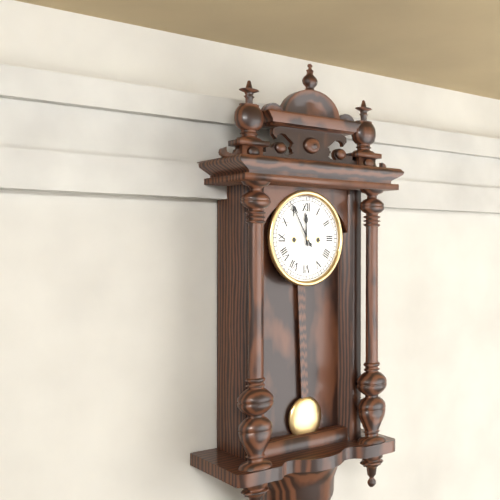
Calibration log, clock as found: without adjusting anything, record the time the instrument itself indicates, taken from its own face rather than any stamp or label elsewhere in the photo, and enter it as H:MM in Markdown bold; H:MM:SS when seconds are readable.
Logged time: **11:55**
